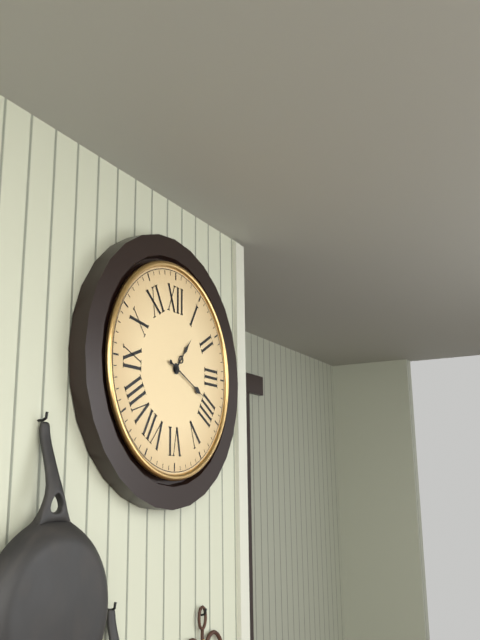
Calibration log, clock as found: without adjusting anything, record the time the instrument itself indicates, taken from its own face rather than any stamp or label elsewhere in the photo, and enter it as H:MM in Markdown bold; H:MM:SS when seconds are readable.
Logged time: **1:19**
